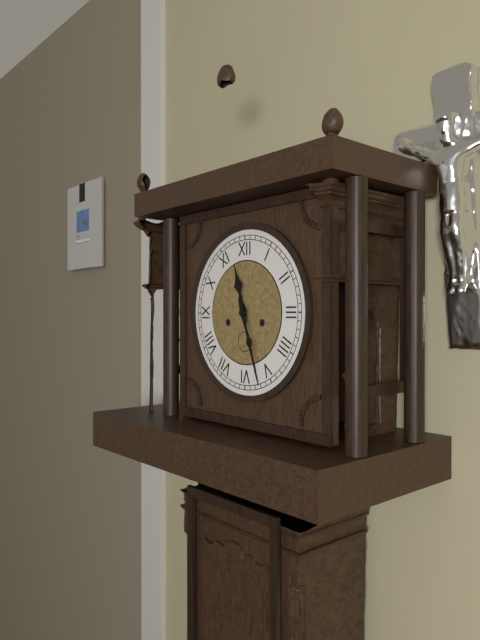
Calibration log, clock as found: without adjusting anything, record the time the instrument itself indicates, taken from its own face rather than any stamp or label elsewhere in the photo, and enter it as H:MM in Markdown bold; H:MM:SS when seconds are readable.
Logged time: **11:27**
